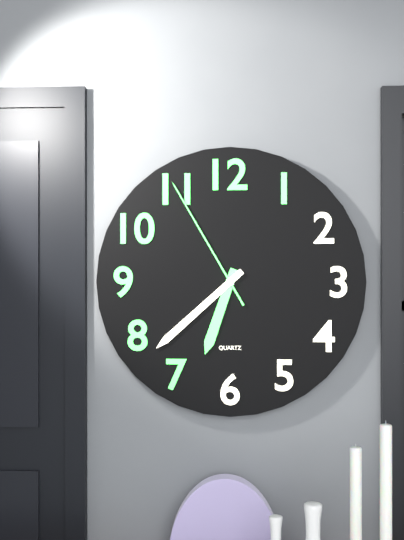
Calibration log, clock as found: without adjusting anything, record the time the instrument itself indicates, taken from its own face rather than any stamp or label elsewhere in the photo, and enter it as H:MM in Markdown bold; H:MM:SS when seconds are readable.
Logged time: **6:38:55**
